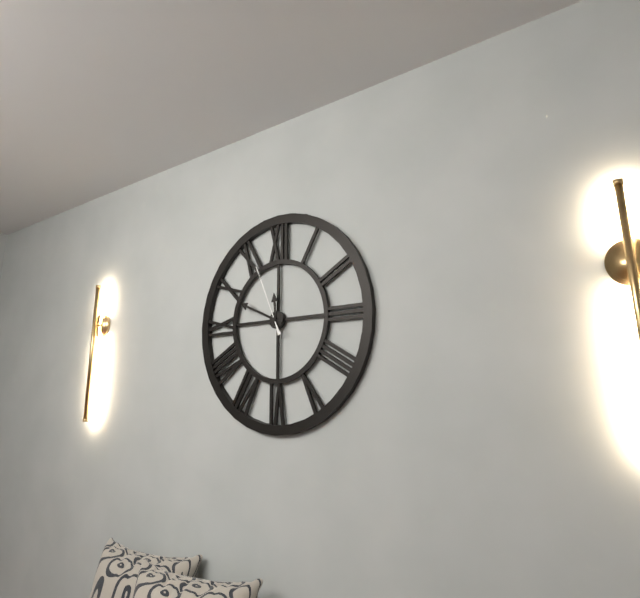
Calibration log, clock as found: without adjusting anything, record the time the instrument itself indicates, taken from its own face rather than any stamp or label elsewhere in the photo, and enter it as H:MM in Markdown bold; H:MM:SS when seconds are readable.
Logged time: **11:49:56**
